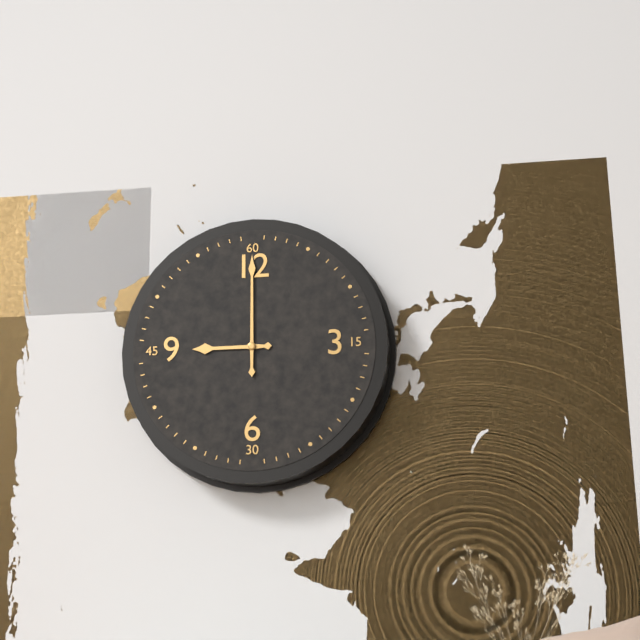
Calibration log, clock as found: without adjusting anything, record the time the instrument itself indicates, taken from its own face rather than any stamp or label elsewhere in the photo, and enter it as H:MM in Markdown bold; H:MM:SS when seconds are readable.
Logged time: **9:00**
